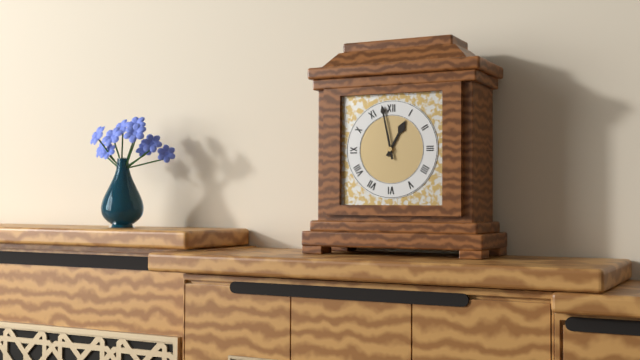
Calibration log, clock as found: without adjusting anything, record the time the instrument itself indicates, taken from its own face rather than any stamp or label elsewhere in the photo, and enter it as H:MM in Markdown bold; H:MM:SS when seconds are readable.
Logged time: **12:58**
